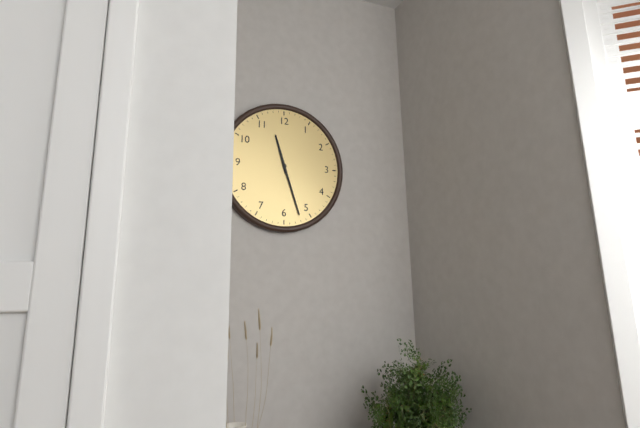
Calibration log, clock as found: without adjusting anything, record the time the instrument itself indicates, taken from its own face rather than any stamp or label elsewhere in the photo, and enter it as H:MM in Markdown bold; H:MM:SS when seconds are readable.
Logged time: **11:27**
